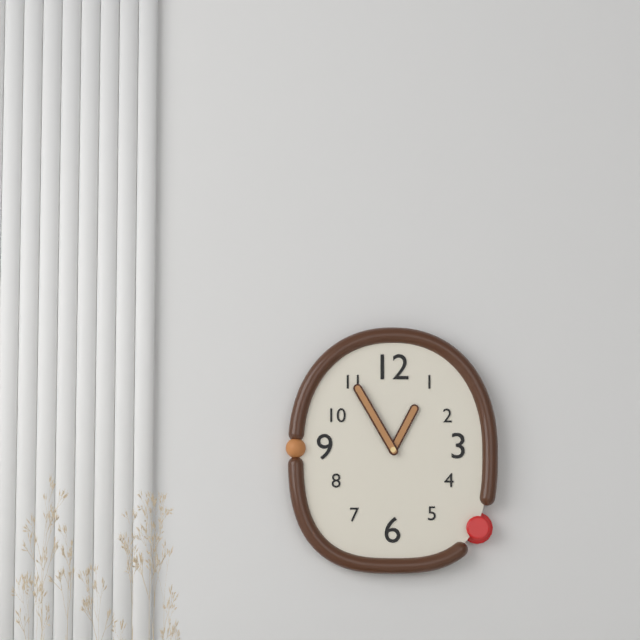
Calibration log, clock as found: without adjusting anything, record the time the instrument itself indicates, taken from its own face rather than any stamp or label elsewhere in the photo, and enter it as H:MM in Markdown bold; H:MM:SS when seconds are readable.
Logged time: **12:55**
